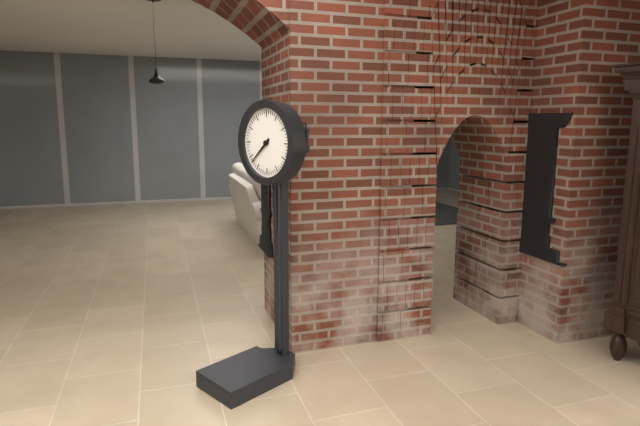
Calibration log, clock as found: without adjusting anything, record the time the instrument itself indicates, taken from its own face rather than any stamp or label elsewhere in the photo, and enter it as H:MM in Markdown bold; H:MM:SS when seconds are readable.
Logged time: **7:38**
